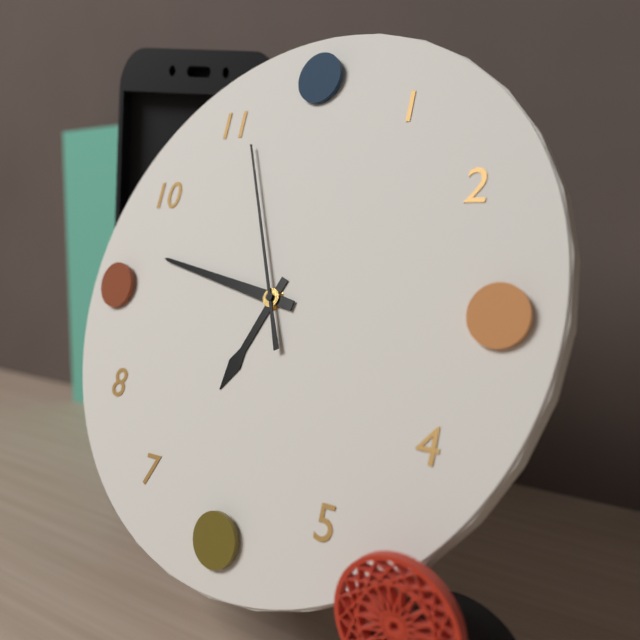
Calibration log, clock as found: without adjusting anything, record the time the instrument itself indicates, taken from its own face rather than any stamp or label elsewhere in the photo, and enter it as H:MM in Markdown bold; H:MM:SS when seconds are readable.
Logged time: **6:47:56**
